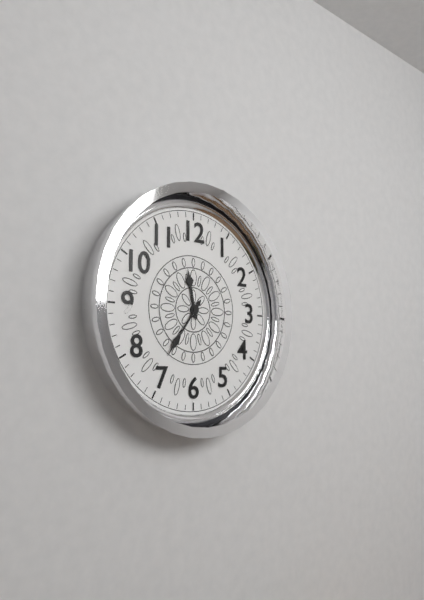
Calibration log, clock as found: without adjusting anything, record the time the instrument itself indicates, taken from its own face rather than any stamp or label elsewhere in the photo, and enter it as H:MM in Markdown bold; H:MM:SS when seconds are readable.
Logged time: **11:36**
